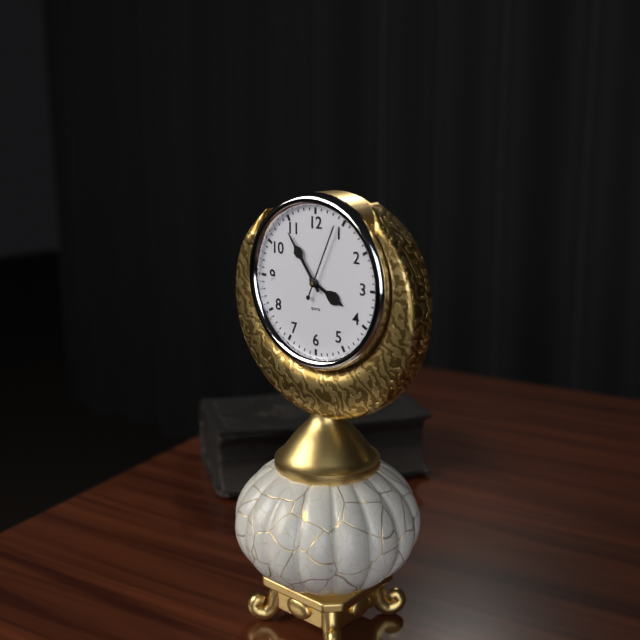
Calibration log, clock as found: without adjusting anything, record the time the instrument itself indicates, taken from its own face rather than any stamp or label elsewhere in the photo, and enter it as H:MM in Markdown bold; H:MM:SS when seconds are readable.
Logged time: **3:54:04**
